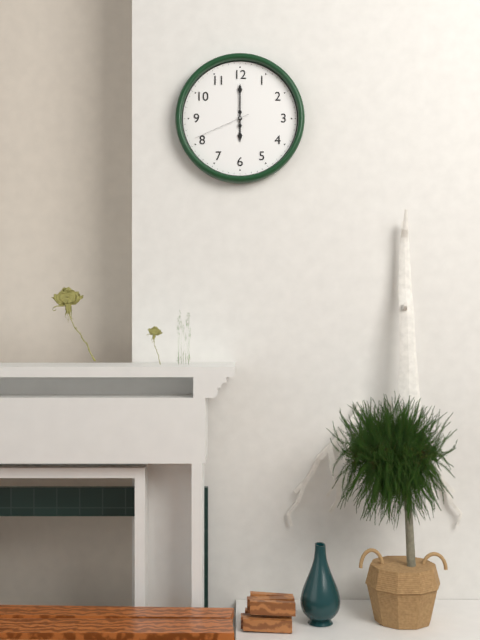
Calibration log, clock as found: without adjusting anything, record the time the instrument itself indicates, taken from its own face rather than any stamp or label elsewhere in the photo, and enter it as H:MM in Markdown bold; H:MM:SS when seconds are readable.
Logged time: **6:00:41**
